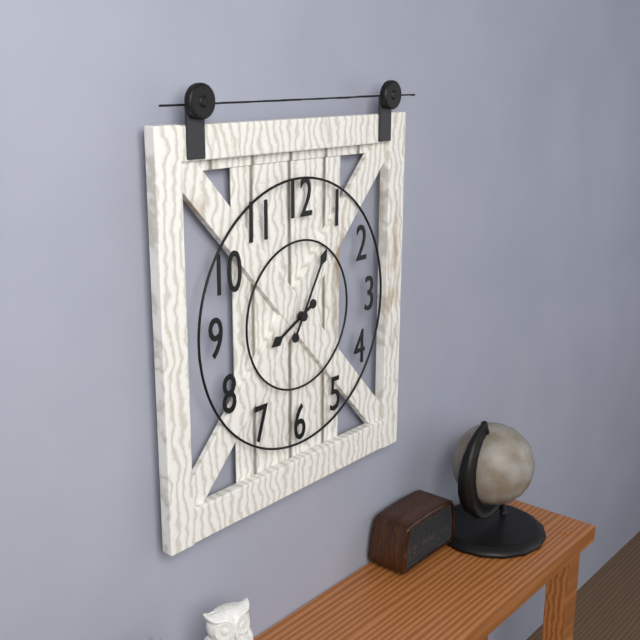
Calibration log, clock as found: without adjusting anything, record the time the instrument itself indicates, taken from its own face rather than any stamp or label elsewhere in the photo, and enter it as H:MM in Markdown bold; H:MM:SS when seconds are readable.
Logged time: **8:05**
